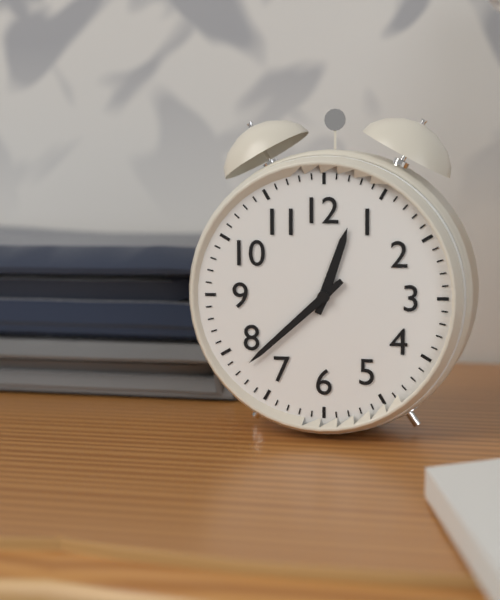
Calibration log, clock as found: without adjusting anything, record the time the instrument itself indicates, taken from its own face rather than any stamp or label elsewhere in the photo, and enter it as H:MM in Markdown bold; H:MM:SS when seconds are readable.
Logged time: **12:38**
